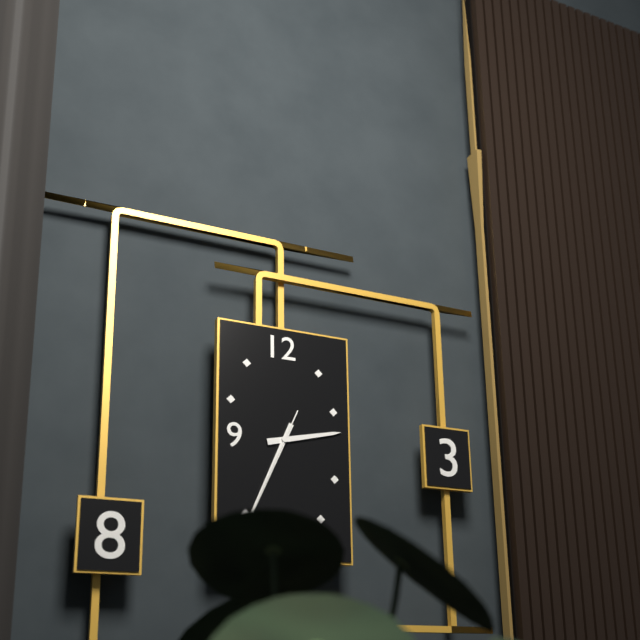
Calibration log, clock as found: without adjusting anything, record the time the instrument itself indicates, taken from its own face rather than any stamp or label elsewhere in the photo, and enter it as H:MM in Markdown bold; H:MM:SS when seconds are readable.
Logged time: **2:34:34**
